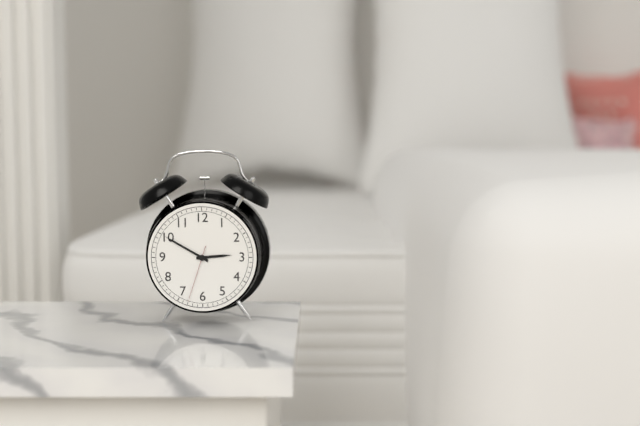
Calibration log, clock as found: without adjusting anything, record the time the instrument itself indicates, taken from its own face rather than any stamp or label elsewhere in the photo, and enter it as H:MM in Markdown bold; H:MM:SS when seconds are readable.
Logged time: **2:50:33**
